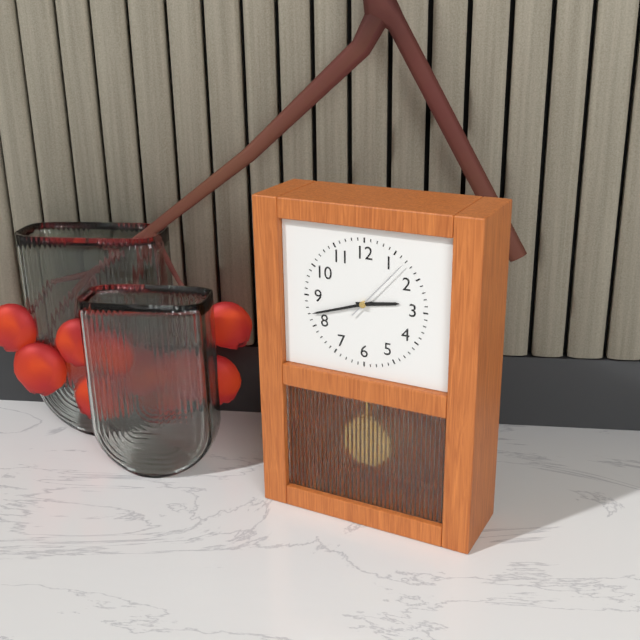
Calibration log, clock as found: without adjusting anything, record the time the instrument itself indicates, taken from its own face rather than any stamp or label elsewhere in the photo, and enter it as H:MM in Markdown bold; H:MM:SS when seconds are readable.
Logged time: **2:42:07**
